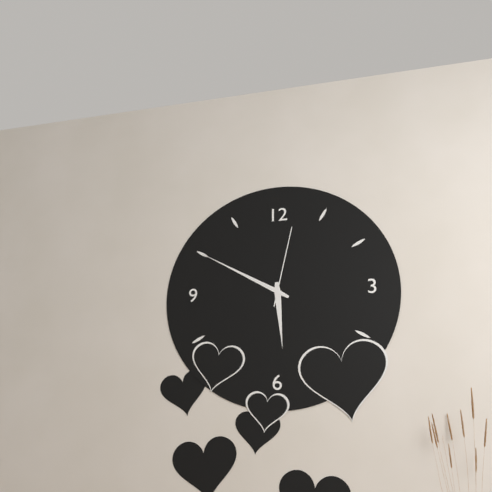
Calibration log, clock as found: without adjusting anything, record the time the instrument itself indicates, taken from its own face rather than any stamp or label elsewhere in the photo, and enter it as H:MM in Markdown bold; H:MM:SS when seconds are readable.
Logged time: **5:50:02**
